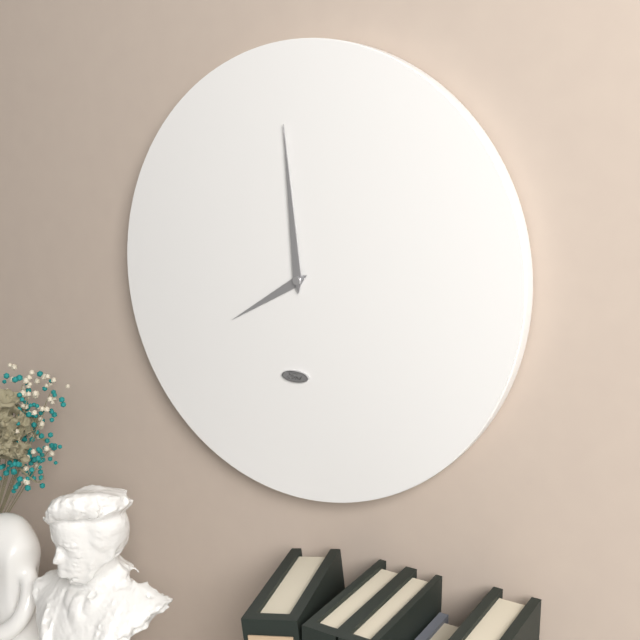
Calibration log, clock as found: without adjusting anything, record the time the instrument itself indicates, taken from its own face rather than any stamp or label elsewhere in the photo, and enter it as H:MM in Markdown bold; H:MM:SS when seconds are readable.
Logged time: **7:59**
